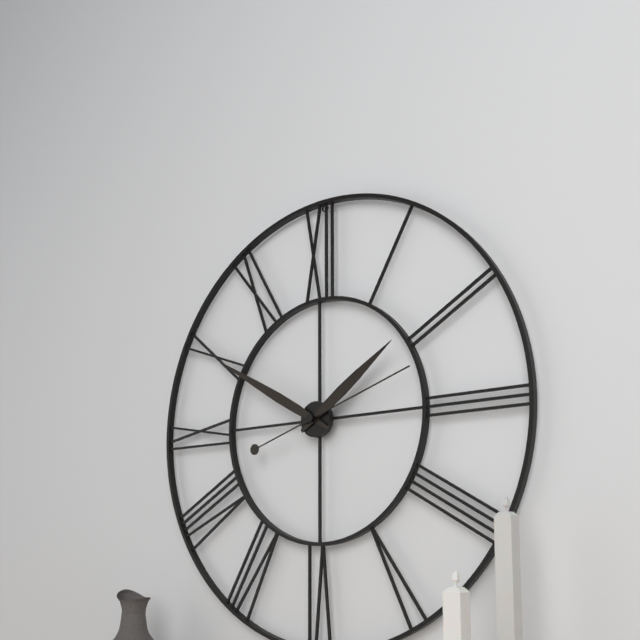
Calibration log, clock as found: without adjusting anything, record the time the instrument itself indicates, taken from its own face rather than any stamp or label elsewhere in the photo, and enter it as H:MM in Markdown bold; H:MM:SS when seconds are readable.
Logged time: **1:50:12**
